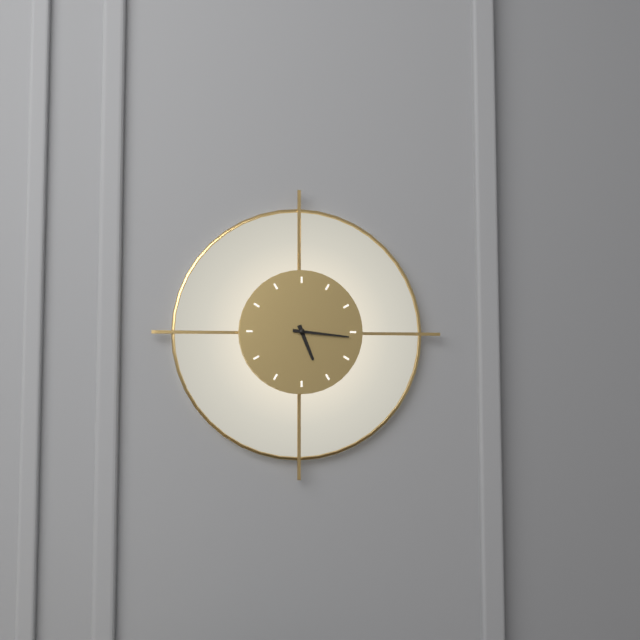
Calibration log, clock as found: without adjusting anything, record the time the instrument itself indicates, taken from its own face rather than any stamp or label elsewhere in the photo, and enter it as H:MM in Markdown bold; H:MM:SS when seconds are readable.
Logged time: **5:16**
